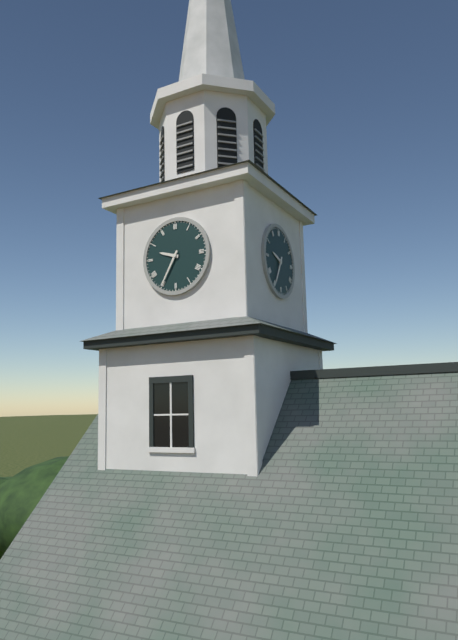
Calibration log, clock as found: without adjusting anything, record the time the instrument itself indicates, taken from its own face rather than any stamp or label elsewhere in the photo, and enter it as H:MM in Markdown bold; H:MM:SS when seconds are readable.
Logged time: **9:35**
